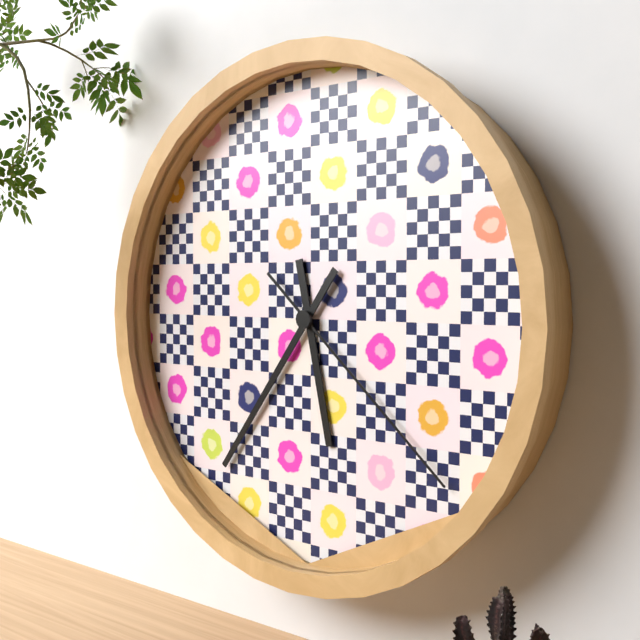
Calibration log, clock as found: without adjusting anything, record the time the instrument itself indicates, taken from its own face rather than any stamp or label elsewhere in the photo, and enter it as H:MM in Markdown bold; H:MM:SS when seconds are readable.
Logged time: **5:36:22**
